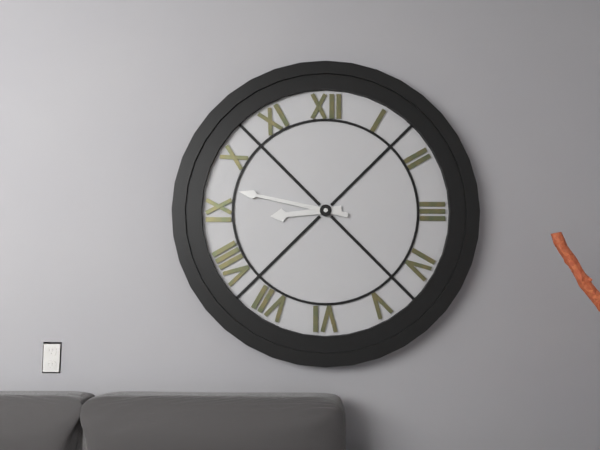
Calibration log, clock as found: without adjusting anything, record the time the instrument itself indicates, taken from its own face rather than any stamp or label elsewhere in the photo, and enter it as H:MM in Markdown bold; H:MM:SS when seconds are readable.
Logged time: **8:47**
